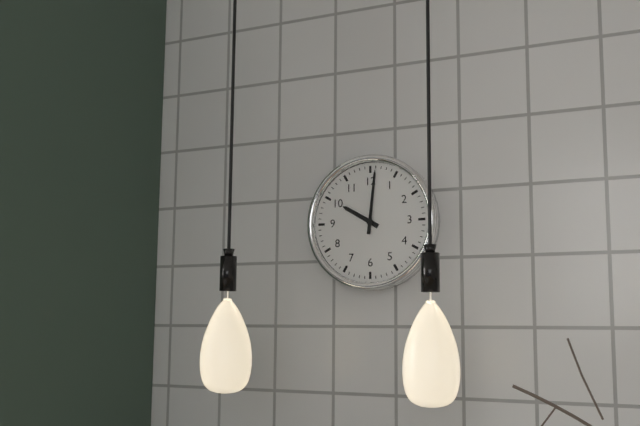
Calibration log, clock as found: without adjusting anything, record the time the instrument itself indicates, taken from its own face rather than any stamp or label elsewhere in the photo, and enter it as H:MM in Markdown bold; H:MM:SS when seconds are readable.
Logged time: **10:01**
